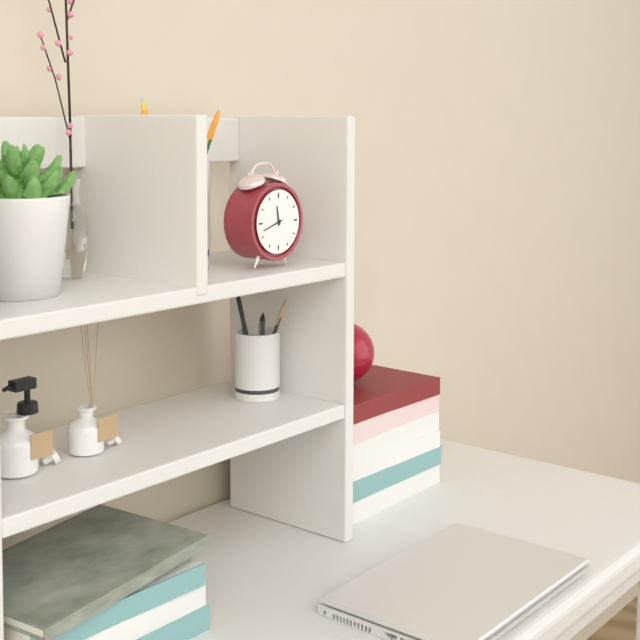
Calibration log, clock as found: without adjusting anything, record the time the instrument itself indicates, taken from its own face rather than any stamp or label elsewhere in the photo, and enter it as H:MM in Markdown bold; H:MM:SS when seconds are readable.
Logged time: **11:42**
